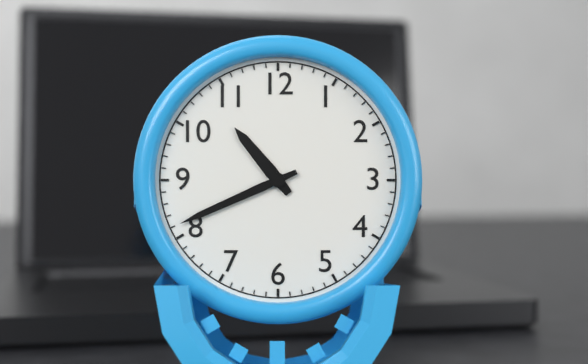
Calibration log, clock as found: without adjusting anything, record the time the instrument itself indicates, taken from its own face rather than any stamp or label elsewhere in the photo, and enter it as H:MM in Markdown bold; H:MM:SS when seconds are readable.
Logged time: **10:41**
